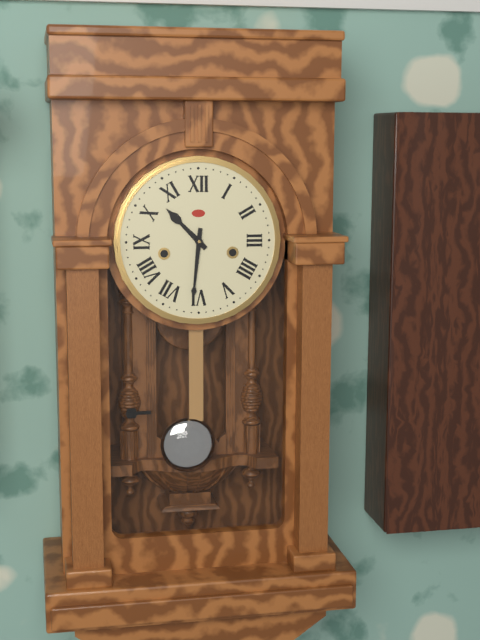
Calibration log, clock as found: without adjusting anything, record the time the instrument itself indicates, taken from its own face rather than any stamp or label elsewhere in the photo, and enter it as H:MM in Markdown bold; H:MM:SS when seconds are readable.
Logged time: **10:31**
